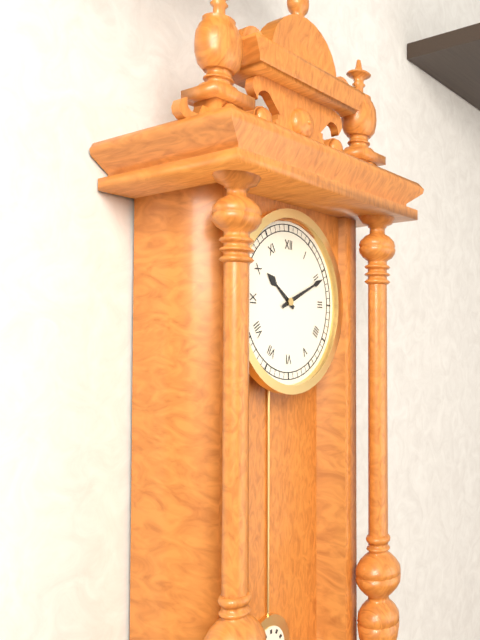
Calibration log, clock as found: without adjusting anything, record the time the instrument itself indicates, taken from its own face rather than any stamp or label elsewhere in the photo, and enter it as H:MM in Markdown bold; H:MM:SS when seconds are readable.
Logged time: **10:11**
